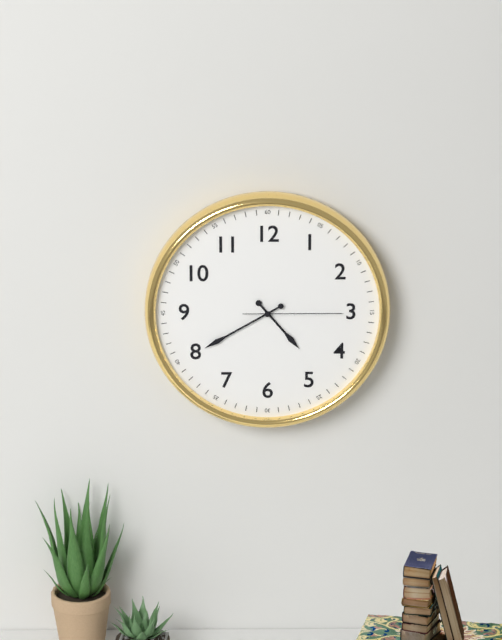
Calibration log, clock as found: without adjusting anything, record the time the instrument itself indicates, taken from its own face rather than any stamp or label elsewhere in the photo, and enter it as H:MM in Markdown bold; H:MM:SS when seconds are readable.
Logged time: **4:40:15**
